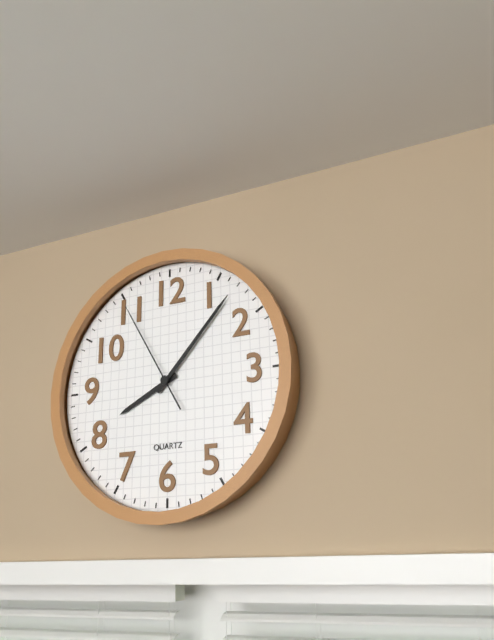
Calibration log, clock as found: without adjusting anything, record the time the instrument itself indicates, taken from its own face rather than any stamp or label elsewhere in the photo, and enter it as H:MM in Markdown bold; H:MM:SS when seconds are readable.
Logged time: **8:07:55**
